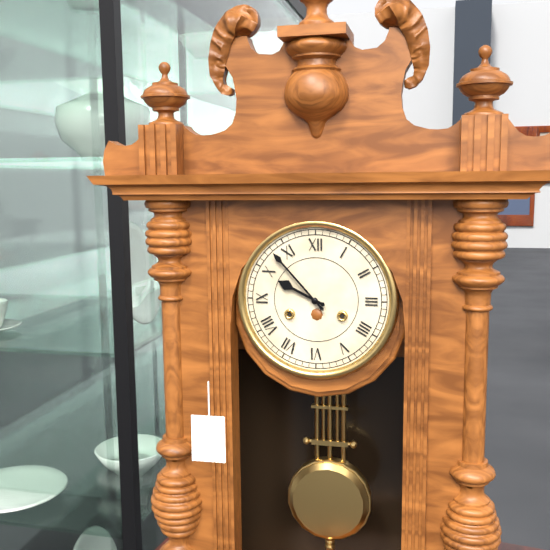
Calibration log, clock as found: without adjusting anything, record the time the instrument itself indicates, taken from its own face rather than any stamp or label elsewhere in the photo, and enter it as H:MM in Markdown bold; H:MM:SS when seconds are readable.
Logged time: **9:53**
